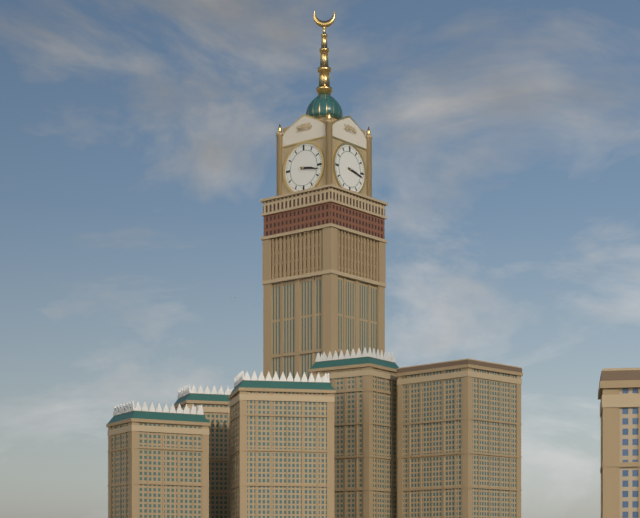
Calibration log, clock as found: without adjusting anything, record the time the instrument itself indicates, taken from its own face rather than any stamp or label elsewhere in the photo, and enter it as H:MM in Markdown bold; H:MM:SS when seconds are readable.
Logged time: **3:17**
